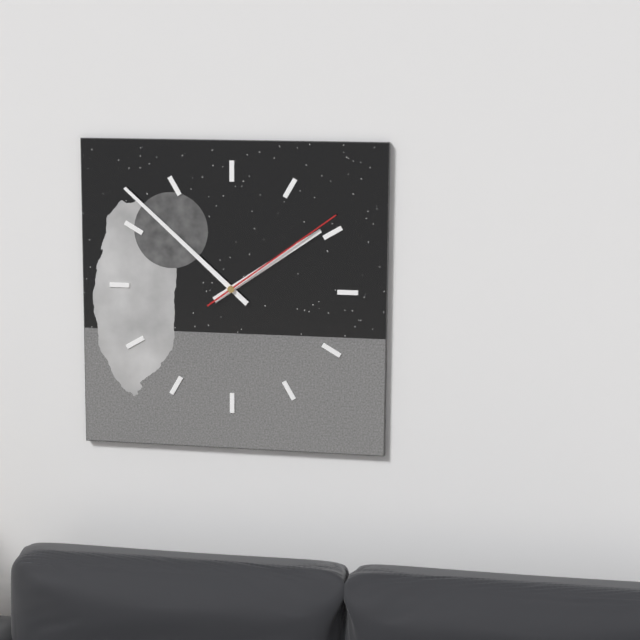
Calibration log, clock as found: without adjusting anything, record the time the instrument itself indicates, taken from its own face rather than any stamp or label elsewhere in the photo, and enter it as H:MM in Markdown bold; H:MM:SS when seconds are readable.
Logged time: **1:52:09**
